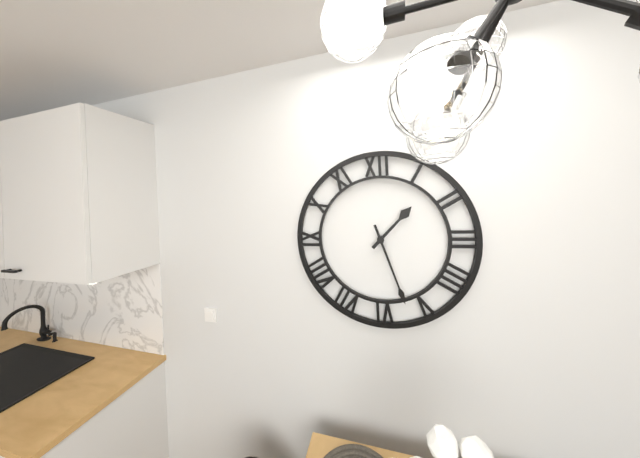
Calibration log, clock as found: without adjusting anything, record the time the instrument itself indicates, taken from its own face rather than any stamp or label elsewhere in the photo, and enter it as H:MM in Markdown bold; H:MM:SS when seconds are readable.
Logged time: **1:27**
